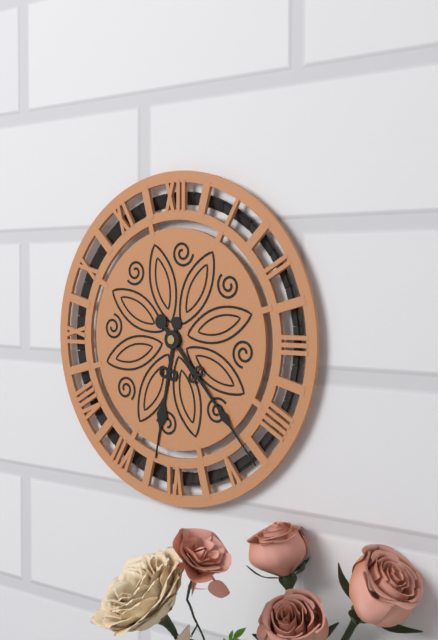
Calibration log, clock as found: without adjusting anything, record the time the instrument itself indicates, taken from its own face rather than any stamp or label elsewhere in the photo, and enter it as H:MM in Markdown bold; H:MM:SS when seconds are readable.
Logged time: **6:23**
